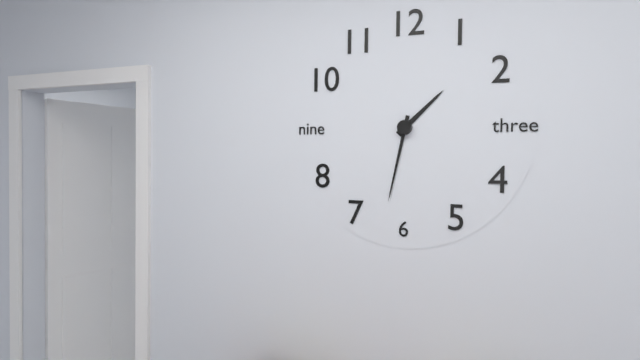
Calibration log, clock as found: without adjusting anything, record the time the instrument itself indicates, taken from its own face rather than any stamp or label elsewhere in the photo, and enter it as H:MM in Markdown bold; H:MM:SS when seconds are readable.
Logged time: **1:32**
